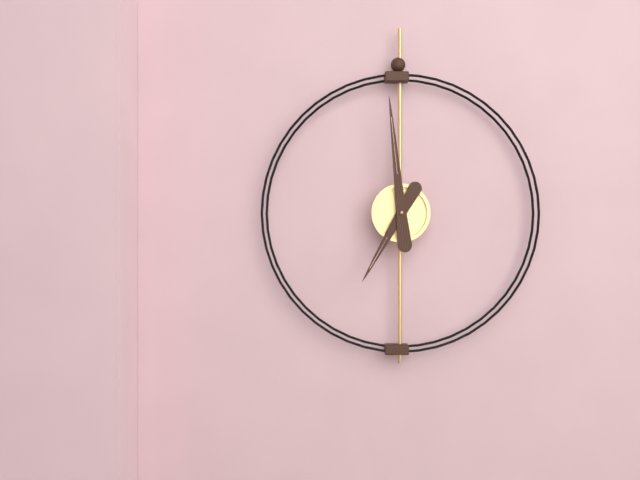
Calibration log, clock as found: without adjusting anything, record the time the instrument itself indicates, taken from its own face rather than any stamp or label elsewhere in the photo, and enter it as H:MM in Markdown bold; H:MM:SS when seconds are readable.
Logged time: **6:59**
